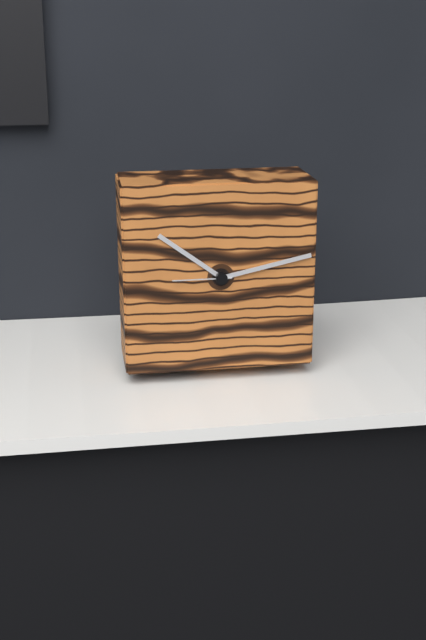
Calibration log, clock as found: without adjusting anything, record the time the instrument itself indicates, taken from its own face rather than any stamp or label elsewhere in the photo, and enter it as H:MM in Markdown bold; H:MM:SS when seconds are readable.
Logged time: **10:13:45**
